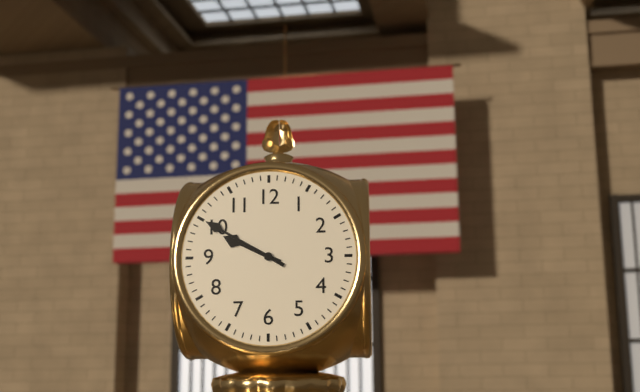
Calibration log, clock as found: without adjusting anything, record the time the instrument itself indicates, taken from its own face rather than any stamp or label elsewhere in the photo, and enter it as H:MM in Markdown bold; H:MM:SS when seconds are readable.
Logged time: **9:50**
